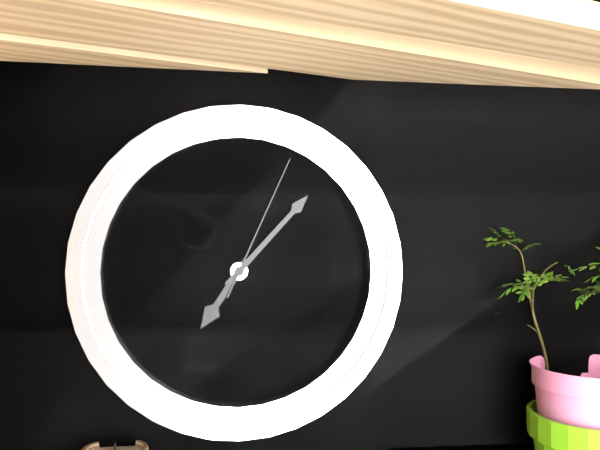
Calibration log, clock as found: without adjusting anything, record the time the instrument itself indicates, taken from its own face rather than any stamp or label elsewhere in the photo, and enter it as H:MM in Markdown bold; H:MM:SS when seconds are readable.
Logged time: **7:07:04**
